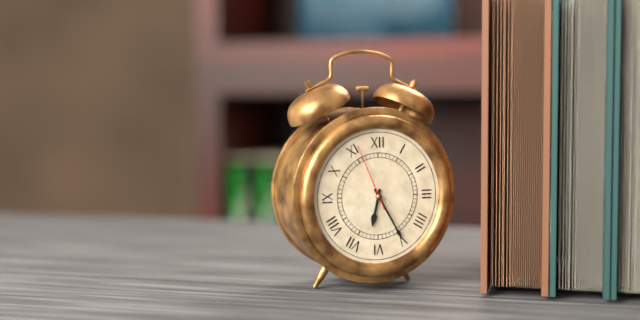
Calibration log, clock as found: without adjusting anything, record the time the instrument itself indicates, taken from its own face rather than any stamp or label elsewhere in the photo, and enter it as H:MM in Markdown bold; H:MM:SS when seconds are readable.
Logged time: **6:25:56**
